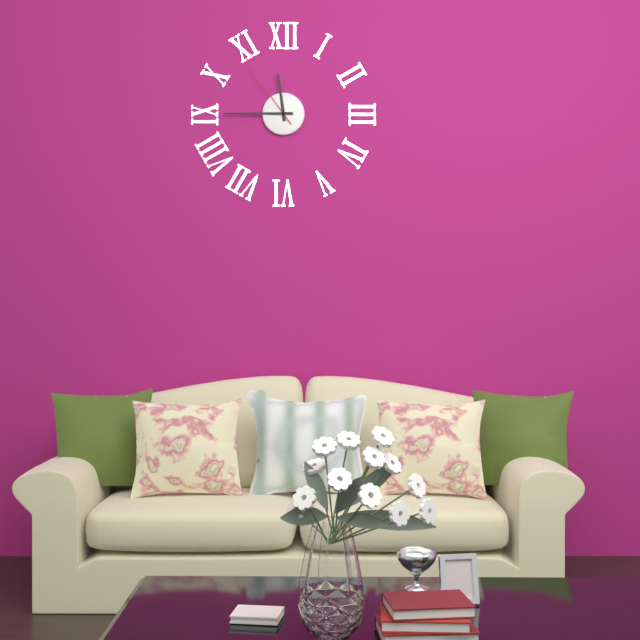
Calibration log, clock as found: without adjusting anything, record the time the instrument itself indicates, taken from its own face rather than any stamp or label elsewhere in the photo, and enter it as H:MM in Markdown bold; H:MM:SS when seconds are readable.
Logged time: **11:45:54**
